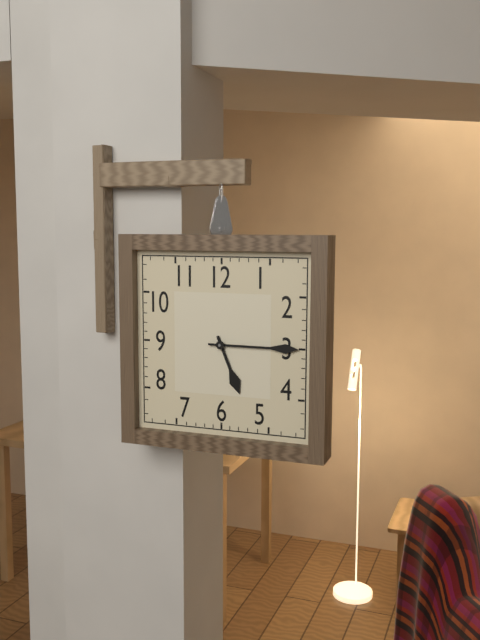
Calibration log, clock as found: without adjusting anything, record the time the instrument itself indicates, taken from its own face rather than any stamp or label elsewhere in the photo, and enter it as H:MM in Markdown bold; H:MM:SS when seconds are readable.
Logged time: **5:15**
